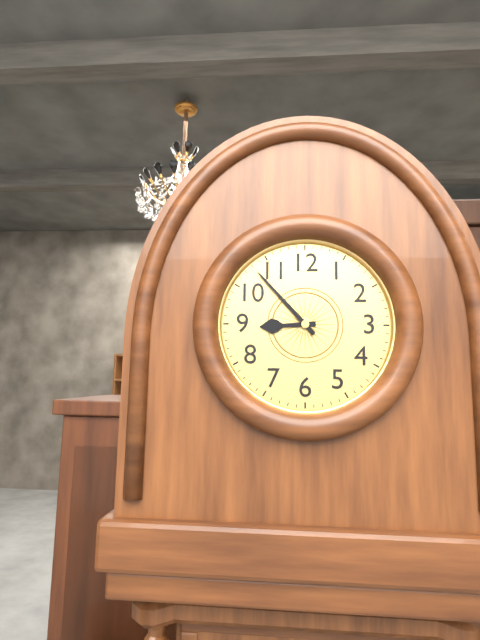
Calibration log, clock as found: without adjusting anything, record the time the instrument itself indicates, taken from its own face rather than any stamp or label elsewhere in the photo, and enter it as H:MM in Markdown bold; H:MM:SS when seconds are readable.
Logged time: **8:53**
